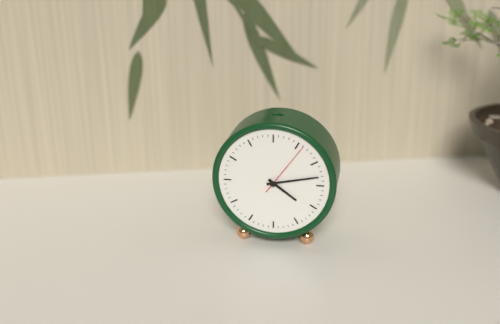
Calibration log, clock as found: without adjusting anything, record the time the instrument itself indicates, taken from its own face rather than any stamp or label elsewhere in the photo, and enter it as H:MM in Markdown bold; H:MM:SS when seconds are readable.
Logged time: **4:13:06**
